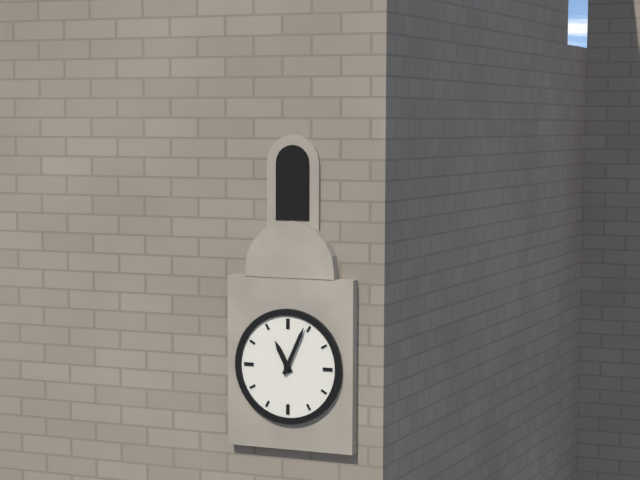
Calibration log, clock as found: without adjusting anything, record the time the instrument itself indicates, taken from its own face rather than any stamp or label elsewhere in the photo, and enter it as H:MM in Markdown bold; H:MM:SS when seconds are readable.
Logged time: **11:04**
